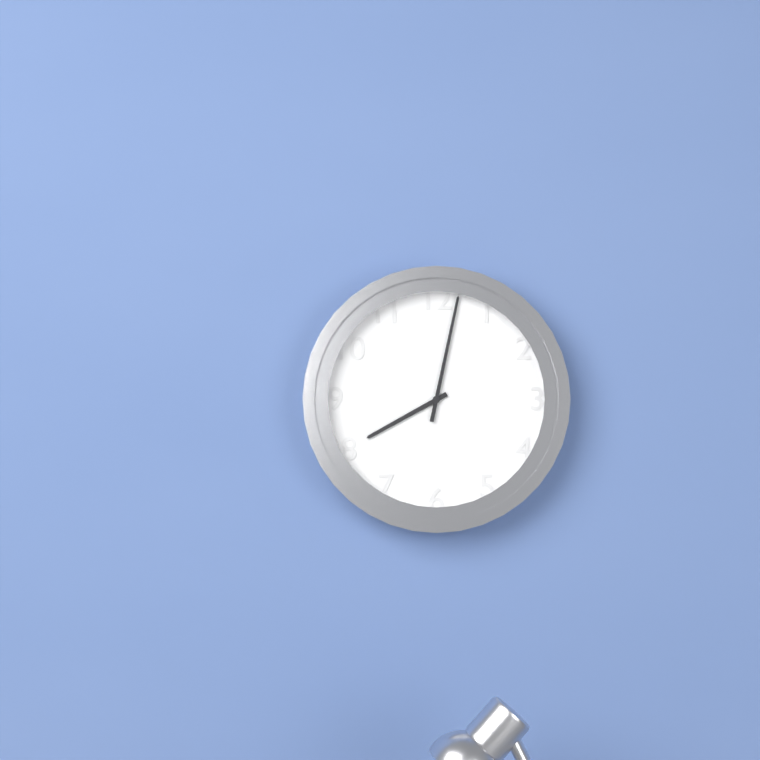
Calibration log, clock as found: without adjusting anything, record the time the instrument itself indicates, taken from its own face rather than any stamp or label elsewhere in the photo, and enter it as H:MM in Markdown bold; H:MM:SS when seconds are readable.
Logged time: **8:02**
